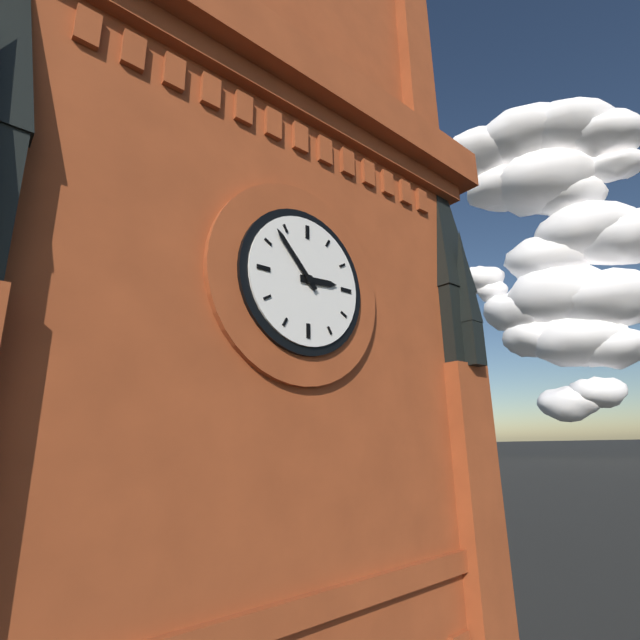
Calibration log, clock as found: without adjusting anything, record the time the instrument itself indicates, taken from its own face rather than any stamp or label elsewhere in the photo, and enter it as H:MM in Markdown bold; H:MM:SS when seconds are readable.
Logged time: **2:53**
